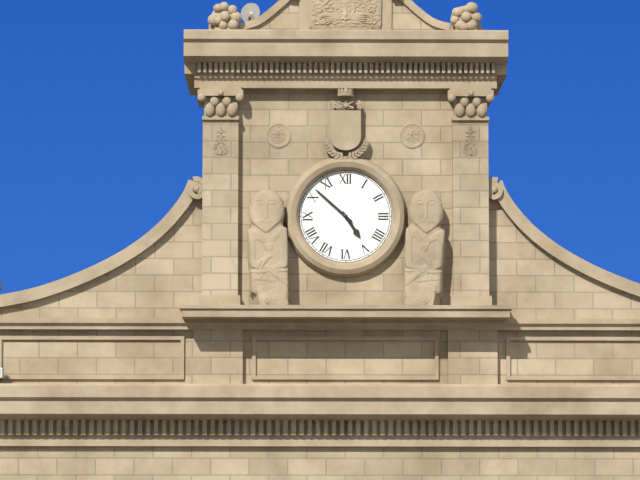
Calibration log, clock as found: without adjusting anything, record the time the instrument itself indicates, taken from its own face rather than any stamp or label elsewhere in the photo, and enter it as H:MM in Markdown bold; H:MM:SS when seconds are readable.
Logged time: **4:52**
